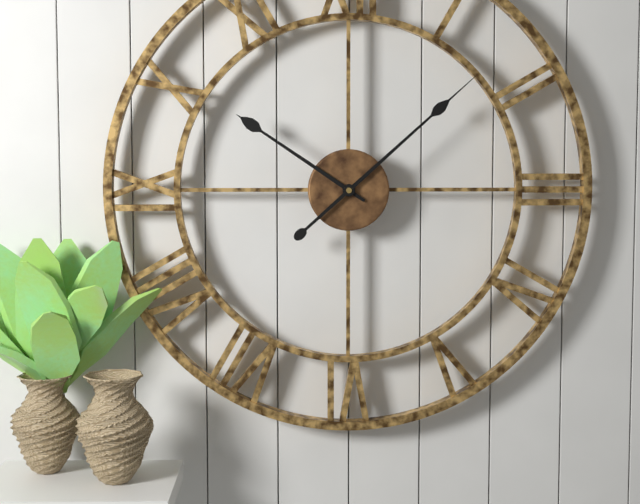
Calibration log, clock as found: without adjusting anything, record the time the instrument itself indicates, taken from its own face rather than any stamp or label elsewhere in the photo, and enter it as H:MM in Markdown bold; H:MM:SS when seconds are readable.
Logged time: **10:08**
